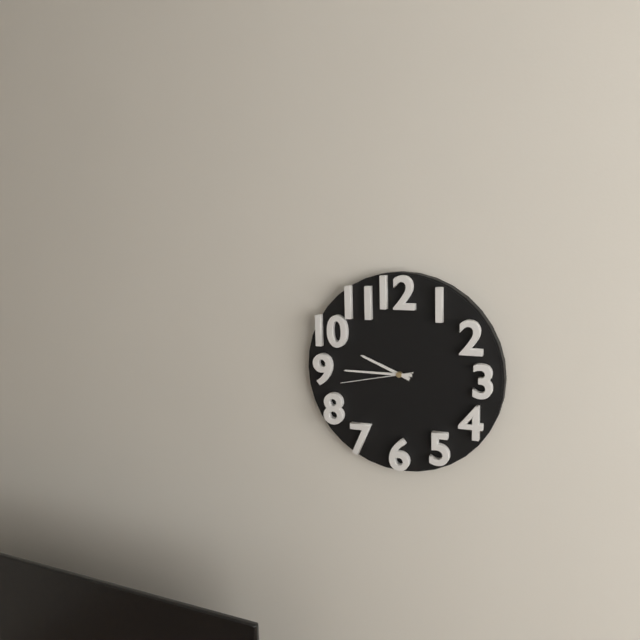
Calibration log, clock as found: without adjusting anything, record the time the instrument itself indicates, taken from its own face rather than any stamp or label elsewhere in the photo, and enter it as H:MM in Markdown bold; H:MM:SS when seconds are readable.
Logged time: **9:45:43**
